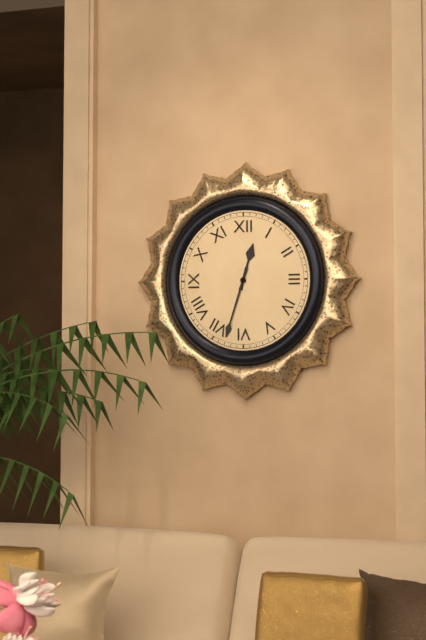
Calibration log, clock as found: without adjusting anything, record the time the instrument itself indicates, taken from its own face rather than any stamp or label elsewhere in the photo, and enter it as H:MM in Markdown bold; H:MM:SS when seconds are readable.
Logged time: **12:33**
